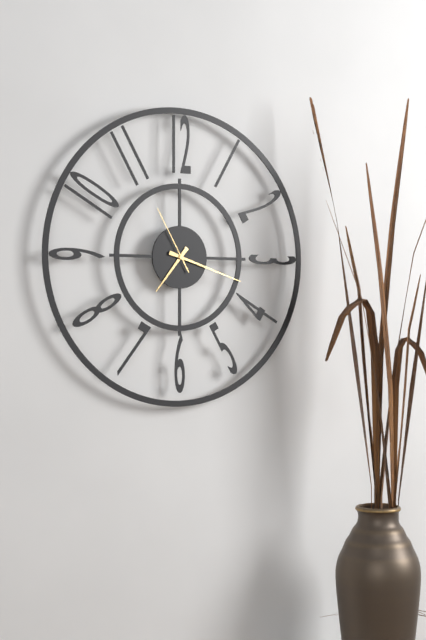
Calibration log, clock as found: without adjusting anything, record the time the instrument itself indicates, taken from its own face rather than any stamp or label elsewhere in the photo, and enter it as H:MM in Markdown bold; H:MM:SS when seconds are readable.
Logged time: **7:18:55**
